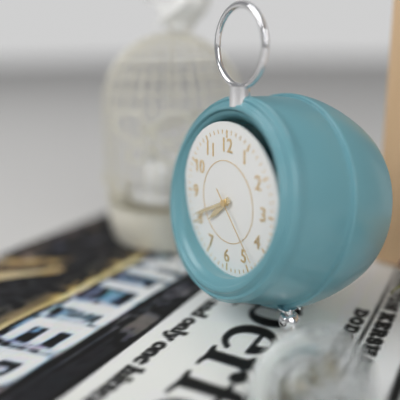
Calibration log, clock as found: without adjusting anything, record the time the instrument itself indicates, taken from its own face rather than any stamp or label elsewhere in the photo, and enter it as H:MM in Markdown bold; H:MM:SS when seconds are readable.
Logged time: **7:41:23**
